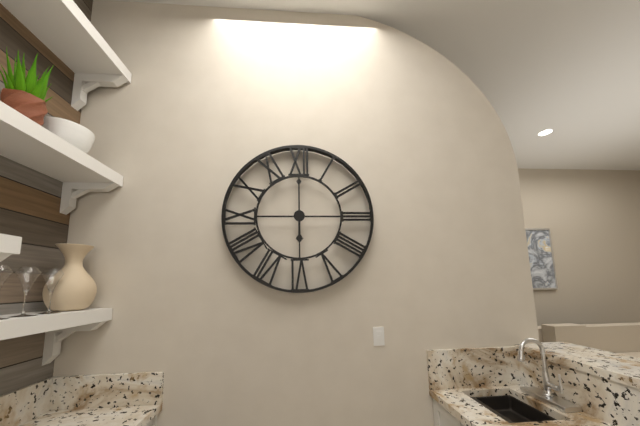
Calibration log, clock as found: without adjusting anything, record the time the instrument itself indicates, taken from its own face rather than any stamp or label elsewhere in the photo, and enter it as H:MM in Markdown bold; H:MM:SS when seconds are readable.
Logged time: **6:00**
